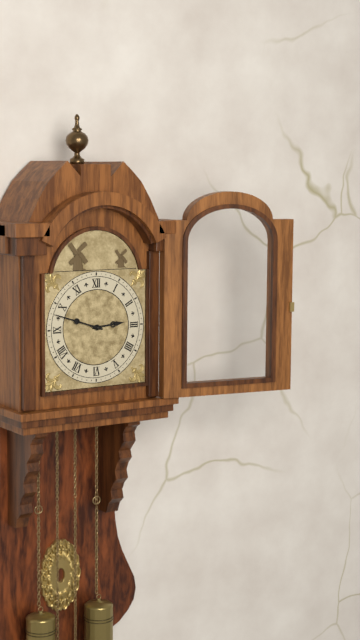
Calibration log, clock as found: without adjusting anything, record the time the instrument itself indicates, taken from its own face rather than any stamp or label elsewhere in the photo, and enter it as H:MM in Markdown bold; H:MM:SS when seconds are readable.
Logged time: **2:48**
